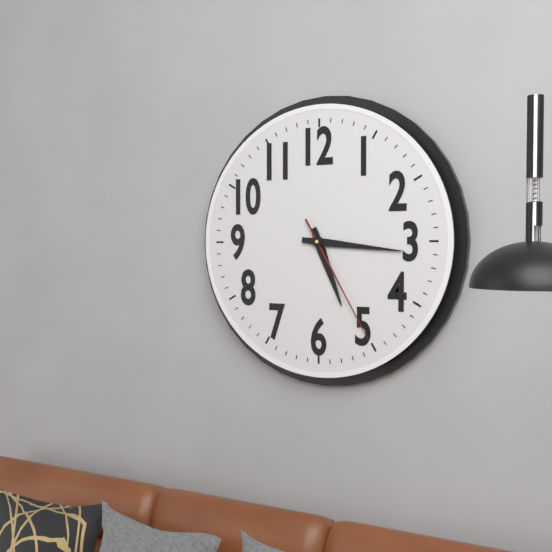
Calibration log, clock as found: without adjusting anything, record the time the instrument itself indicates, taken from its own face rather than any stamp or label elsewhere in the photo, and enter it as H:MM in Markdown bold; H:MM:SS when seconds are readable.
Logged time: **5:16:25**
